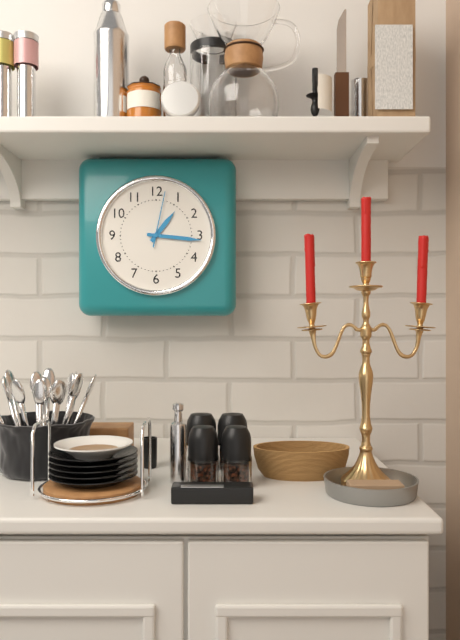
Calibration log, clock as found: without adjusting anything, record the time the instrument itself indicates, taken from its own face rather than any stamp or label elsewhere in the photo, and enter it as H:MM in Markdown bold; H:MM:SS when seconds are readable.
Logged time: **1:16:02**
